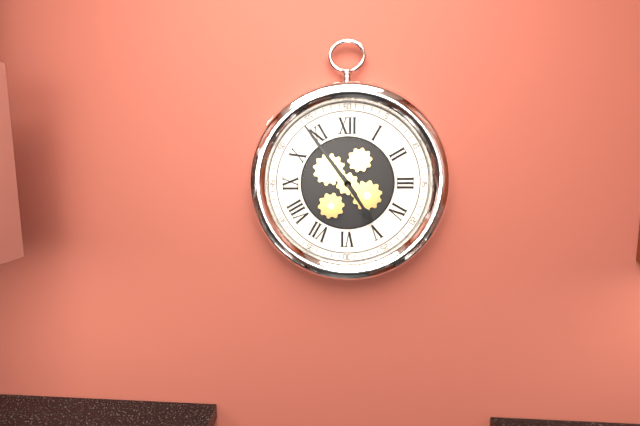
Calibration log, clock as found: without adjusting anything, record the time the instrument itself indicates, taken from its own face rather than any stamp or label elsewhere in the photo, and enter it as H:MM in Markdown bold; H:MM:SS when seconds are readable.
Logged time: **4:54**
